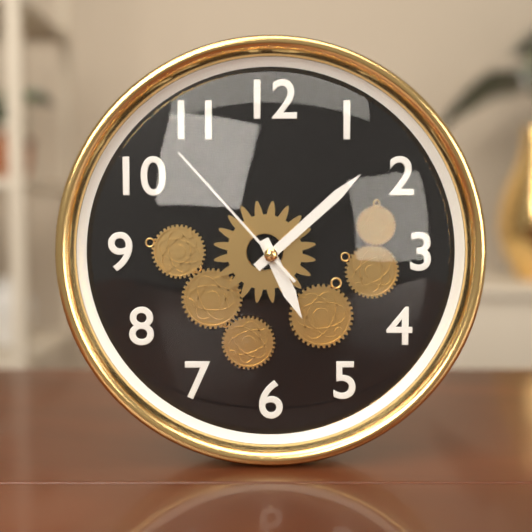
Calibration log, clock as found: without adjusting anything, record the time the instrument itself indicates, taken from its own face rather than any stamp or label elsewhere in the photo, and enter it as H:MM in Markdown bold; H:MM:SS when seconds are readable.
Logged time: **5:08:53**
